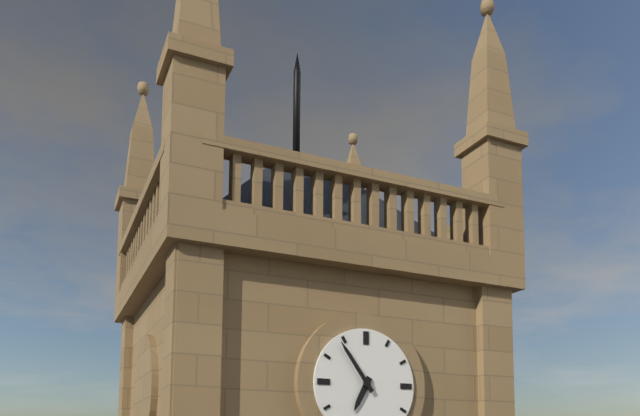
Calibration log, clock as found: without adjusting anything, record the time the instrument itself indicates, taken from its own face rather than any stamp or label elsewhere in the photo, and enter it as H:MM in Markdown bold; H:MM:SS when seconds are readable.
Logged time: **6:54**
